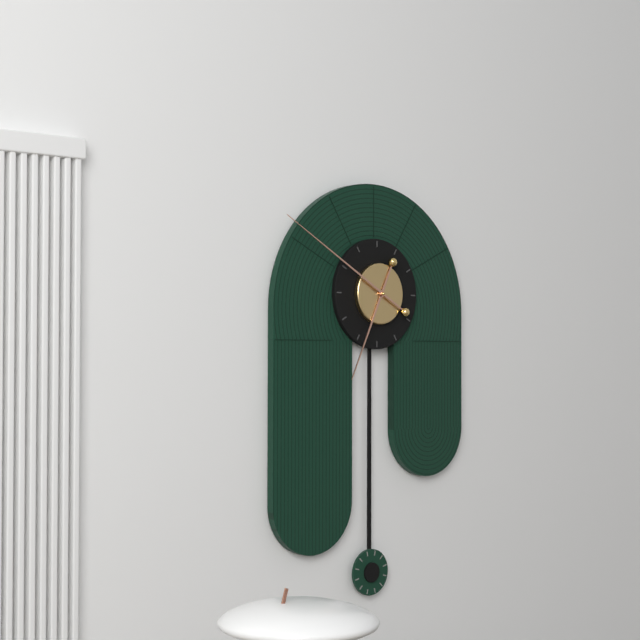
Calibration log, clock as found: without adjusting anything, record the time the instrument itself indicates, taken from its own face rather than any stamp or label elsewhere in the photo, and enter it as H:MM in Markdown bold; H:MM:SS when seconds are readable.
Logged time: **6:50**
